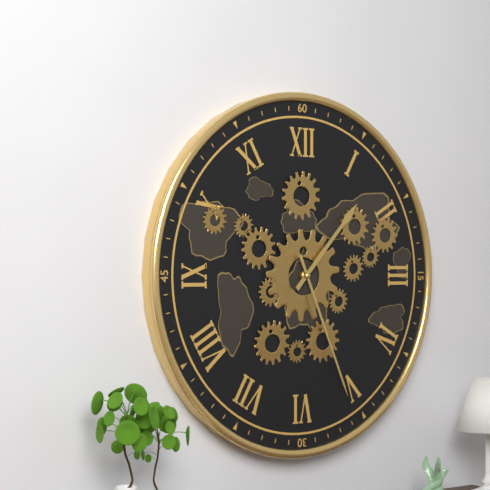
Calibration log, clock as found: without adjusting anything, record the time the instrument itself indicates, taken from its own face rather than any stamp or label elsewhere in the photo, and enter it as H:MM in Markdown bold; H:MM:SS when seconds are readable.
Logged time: **1:26**
